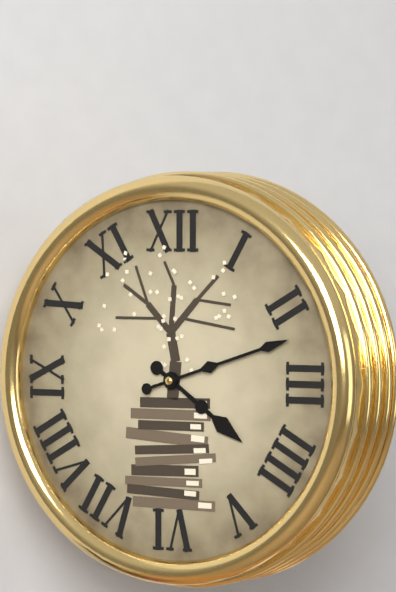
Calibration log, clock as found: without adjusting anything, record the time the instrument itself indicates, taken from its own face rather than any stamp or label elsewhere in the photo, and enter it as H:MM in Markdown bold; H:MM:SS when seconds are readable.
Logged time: **4:12**
